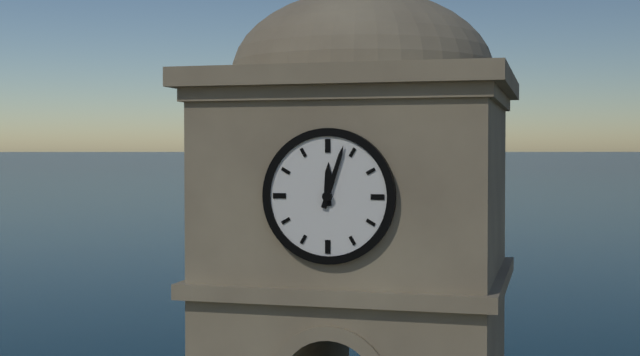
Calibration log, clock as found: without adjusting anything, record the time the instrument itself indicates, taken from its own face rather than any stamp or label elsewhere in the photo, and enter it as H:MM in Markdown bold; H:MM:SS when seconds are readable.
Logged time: **12:03**
